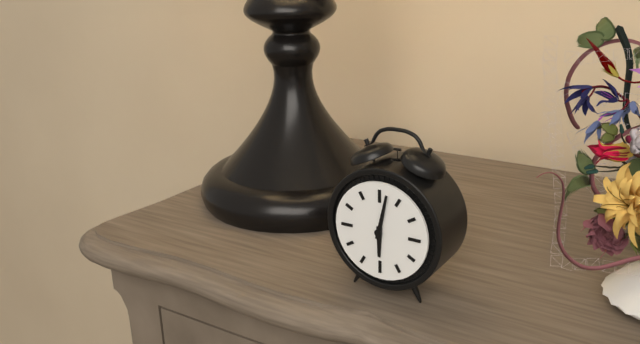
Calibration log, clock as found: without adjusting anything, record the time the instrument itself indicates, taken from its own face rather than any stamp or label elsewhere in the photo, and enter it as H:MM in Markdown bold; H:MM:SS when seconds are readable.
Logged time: **6:02**
